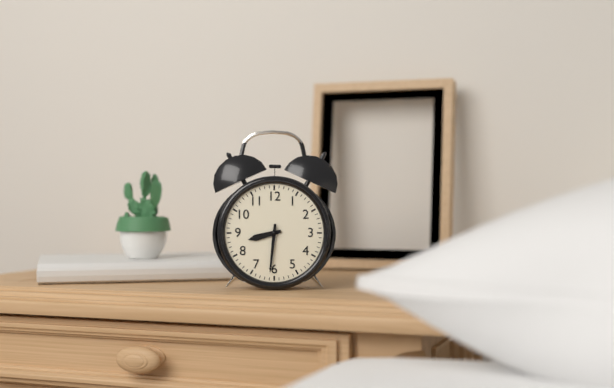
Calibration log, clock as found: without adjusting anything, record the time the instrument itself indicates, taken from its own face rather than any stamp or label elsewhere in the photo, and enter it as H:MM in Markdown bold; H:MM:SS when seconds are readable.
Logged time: **8:31**
